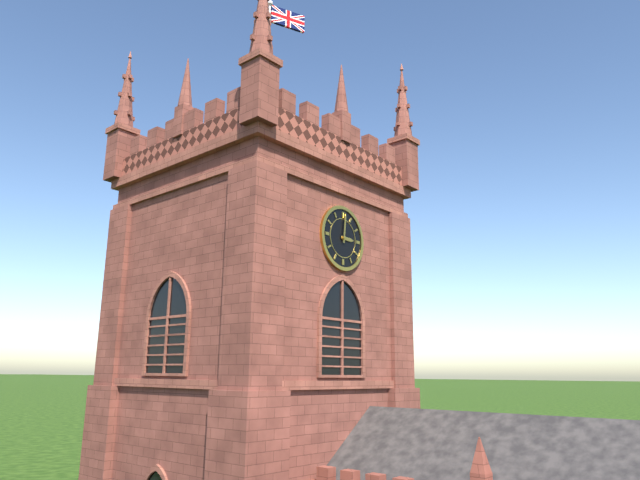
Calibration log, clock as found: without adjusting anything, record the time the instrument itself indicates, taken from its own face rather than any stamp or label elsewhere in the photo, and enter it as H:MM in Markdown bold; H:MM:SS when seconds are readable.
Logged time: **3:01**
